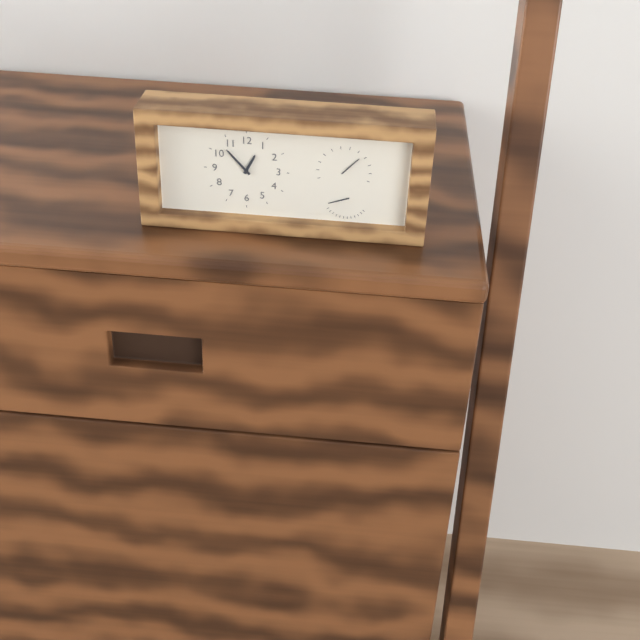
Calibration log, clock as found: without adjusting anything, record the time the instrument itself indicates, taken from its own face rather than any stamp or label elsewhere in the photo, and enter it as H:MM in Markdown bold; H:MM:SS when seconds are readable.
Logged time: **12:53**
